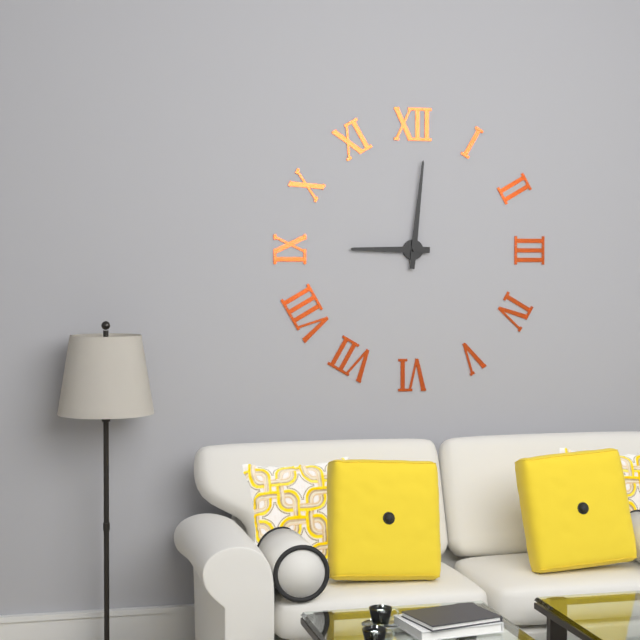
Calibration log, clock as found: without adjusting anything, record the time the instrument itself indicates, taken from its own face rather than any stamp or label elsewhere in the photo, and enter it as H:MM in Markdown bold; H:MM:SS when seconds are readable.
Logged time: **9:01**
